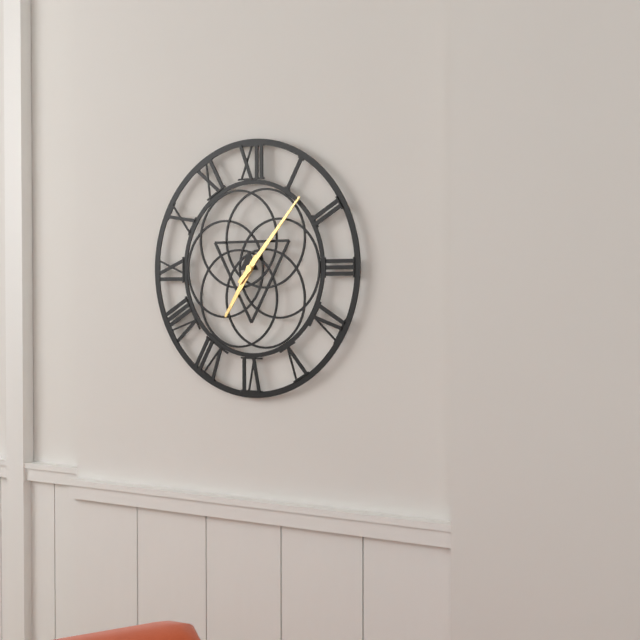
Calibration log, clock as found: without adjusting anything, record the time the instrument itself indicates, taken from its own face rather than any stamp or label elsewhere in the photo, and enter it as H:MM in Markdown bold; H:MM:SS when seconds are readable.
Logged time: **7:07**
